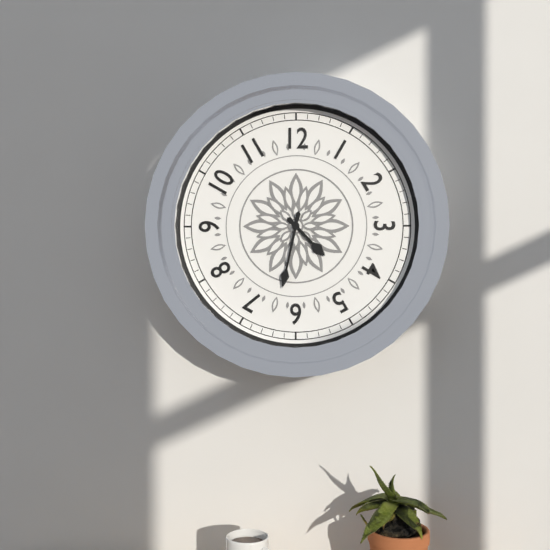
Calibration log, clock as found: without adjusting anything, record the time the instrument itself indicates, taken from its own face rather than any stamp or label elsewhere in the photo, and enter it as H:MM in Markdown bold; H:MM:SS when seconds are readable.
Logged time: **4:32**
